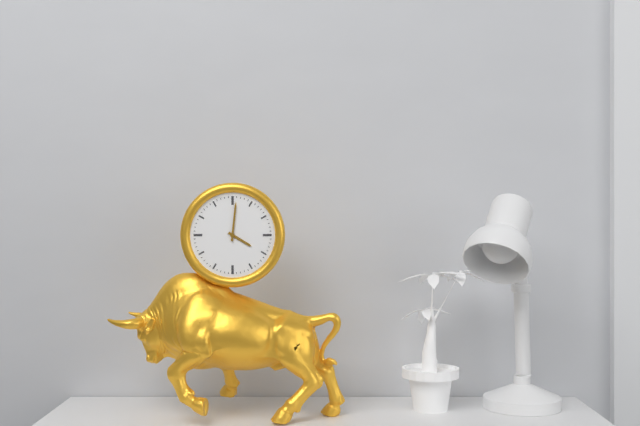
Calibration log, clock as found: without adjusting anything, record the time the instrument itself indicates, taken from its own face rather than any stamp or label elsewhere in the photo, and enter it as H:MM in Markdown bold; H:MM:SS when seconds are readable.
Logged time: **4:01**
